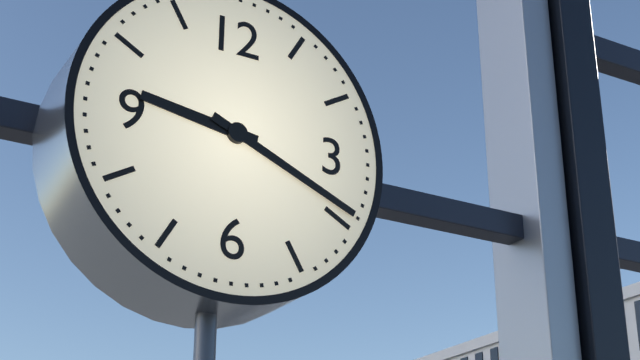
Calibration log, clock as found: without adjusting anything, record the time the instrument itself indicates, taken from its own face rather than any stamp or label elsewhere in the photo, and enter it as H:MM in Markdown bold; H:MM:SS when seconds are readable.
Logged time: **9:19**
